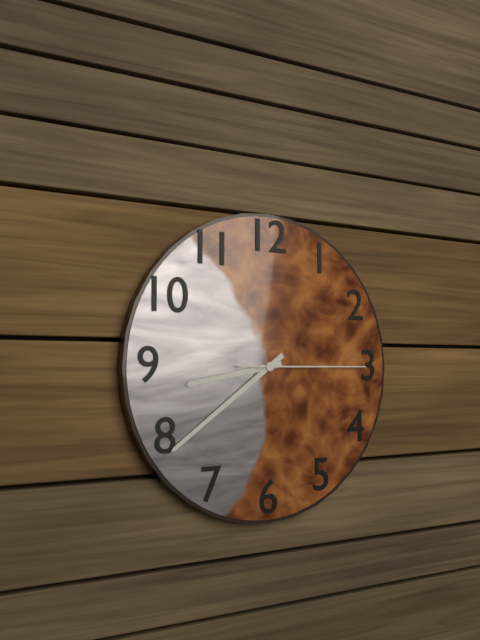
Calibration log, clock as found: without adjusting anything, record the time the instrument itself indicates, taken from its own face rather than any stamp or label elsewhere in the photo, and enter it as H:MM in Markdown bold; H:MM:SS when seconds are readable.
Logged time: **8:39:15**
